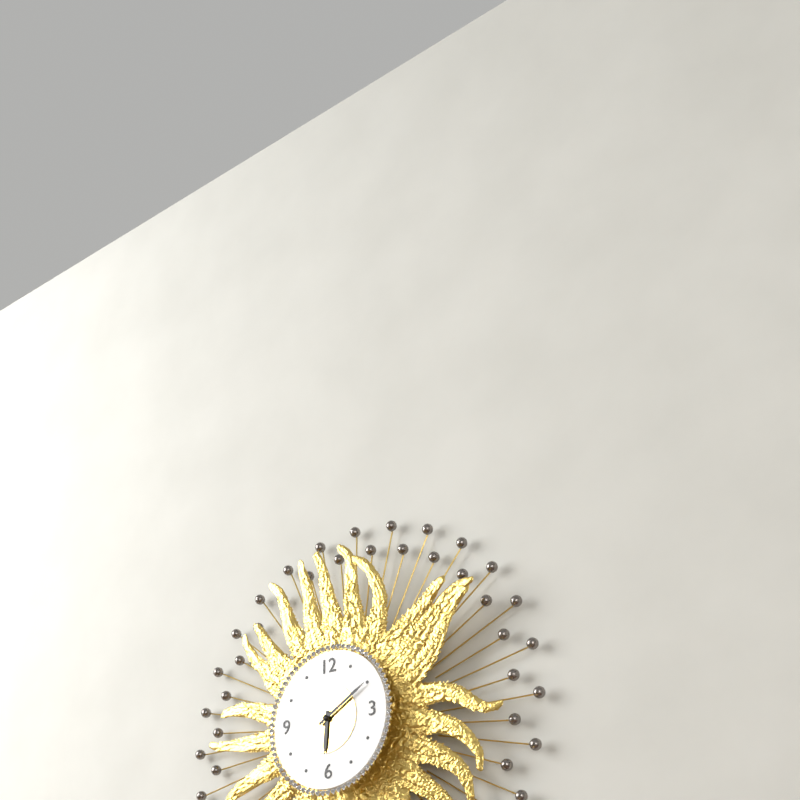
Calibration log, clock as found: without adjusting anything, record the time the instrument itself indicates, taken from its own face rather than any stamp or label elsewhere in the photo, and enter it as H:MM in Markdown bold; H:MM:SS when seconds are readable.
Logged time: **6:10**
